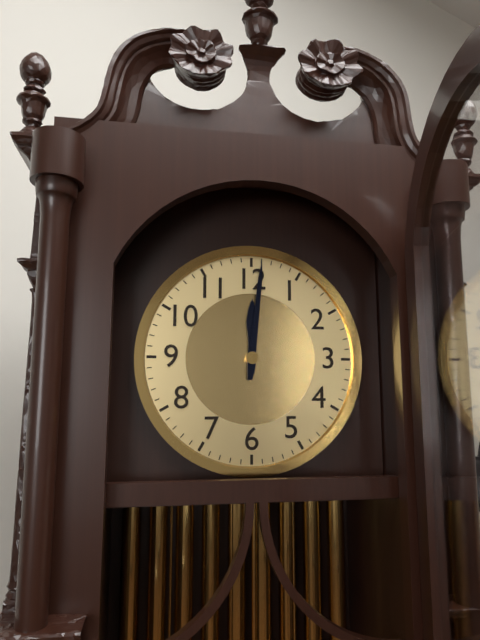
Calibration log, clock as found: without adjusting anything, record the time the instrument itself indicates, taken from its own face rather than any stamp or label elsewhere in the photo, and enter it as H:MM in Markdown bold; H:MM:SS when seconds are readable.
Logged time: **12:01**
